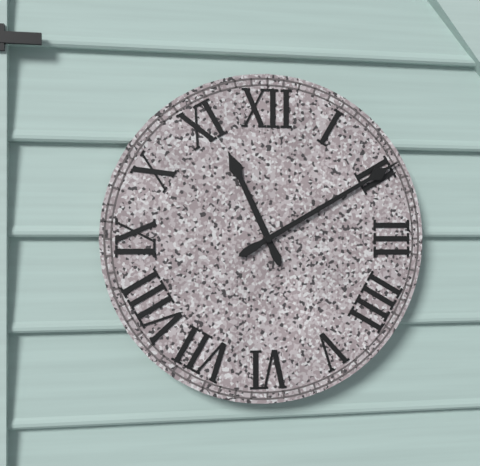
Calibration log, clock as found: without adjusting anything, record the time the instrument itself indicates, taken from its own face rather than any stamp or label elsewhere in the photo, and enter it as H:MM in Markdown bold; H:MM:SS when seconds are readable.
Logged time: **11:10**
